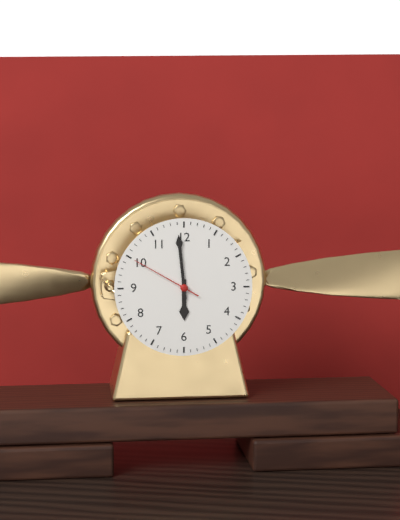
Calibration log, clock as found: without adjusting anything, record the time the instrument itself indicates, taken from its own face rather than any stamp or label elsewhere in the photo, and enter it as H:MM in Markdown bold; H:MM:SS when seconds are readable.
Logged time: **5:59:50**
